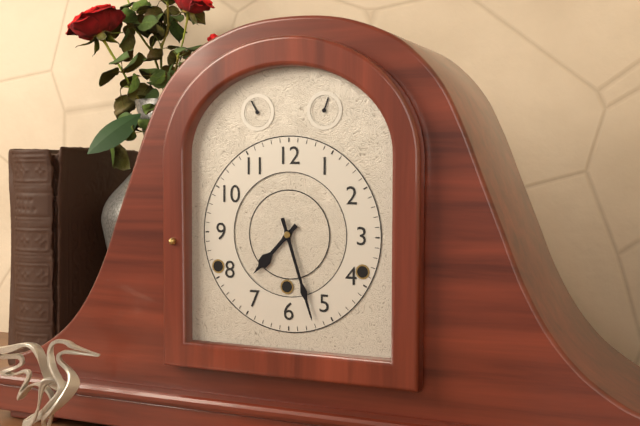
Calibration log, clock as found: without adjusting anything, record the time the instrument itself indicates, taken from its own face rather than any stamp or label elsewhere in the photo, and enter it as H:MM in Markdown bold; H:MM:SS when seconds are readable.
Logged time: **7:27**
